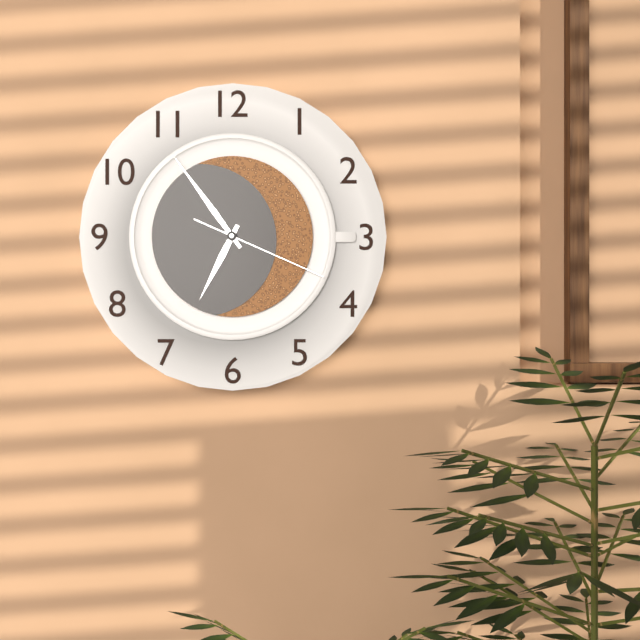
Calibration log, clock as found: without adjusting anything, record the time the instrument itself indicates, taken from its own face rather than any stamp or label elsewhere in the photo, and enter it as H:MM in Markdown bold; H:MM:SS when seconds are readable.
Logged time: **6:54:19**
